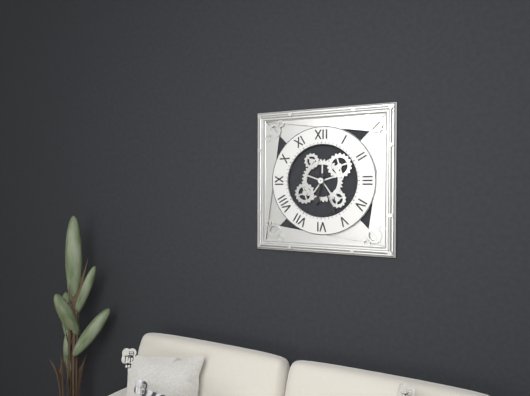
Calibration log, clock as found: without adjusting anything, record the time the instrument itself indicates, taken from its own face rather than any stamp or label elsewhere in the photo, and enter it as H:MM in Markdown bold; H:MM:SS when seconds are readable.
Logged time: **6:26**
